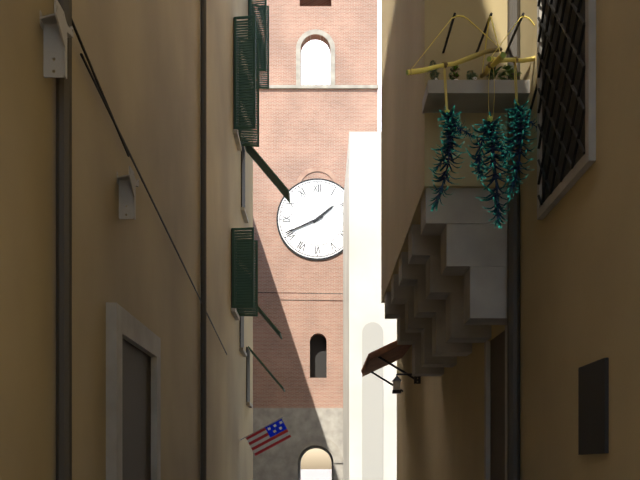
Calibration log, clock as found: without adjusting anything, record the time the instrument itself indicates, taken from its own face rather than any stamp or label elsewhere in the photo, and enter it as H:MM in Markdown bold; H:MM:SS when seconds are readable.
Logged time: **1:41**
